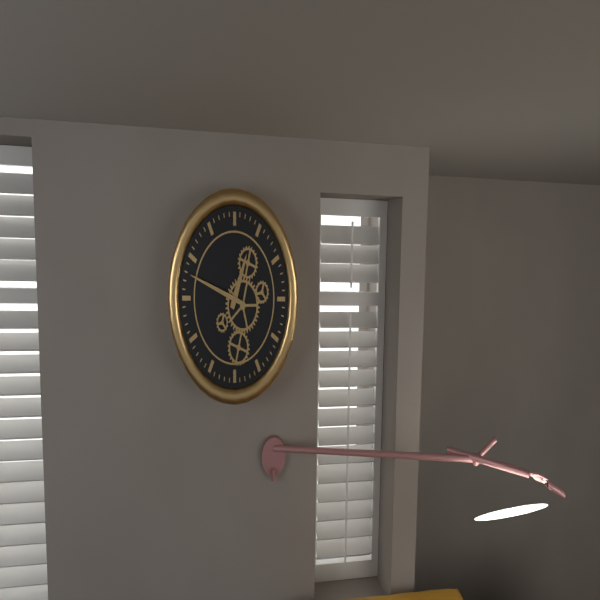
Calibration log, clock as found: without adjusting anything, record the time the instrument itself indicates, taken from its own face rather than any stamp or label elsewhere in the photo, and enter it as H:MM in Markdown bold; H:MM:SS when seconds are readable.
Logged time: **12:48**
